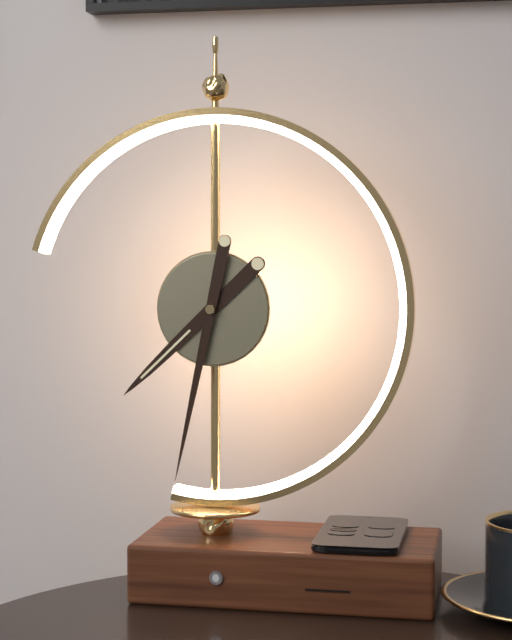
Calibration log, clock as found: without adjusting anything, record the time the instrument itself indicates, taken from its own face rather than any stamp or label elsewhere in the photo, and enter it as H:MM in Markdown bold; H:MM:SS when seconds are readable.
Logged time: **7:32**
